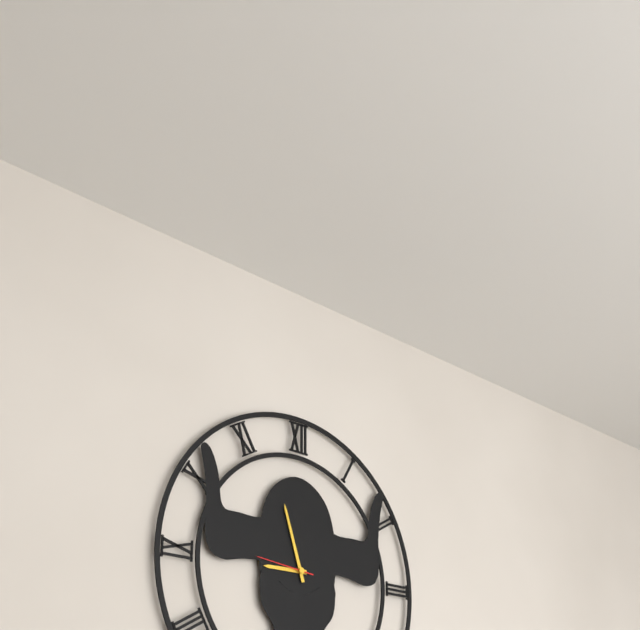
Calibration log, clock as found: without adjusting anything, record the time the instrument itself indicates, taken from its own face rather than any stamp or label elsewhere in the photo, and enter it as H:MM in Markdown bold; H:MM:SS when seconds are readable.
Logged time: **8:57:46**
